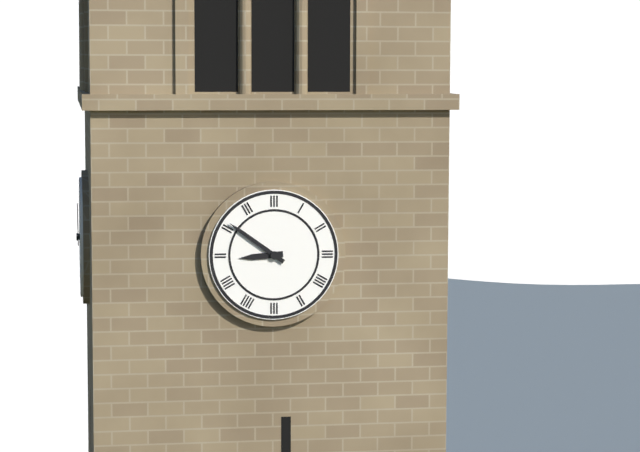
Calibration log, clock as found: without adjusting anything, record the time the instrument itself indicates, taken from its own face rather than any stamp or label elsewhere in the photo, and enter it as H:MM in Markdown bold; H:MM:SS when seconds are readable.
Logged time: **8:51**
